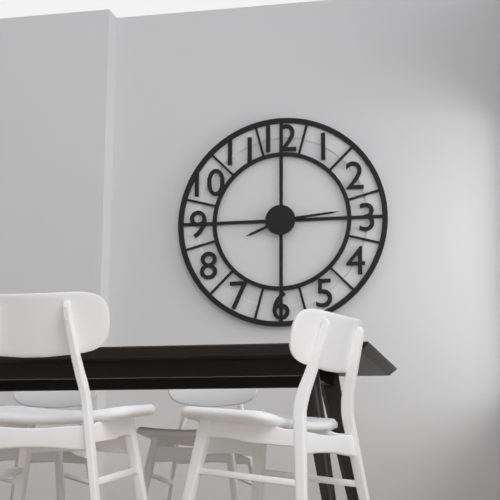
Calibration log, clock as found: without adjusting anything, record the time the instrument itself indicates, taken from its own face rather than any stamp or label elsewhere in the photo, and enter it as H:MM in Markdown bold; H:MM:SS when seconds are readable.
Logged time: **8:14**
